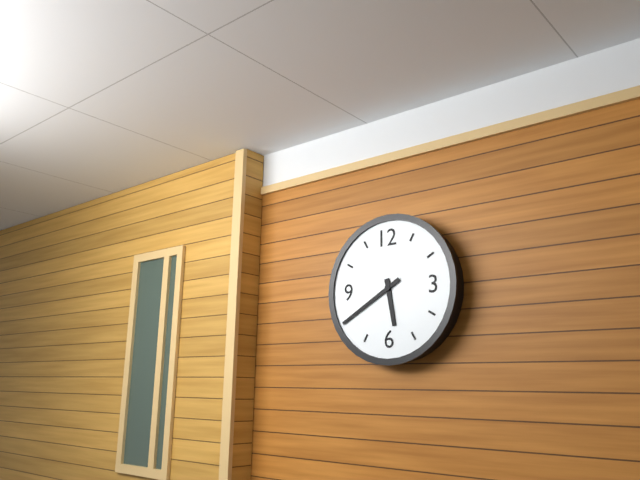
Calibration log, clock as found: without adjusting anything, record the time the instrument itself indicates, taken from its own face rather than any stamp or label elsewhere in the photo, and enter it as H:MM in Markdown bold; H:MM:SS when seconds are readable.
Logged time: **5:40**
